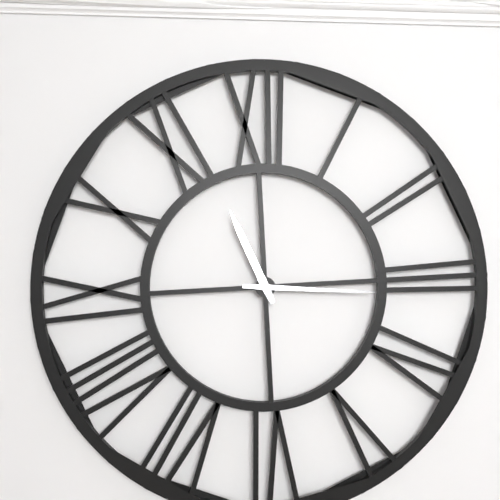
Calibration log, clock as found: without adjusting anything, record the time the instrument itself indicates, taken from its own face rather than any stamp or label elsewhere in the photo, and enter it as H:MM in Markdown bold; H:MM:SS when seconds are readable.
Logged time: **11:16**
